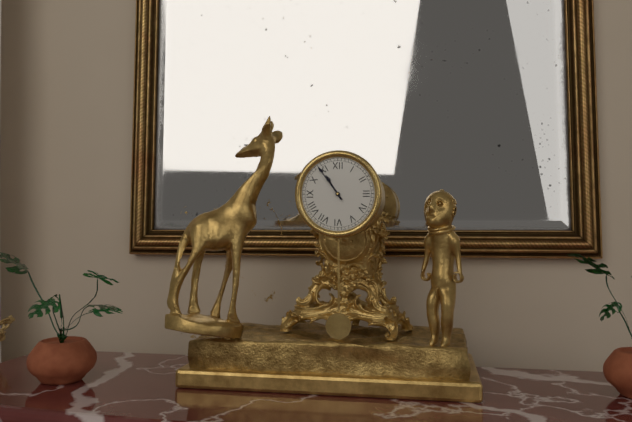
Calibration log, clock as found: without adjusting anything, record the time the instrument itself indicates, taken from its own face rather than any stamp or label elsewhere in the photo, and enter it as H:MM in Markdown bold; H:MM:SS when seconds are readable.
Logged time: **10:54**
